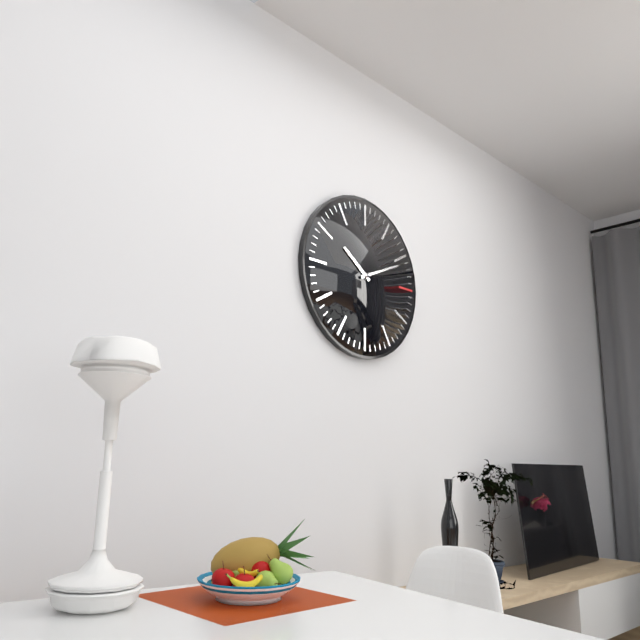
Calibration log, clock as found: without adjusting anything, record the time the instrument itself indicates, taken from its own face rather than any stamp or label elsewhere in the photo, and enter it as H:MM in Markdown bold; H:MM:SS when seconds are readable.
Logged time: **10:11**
